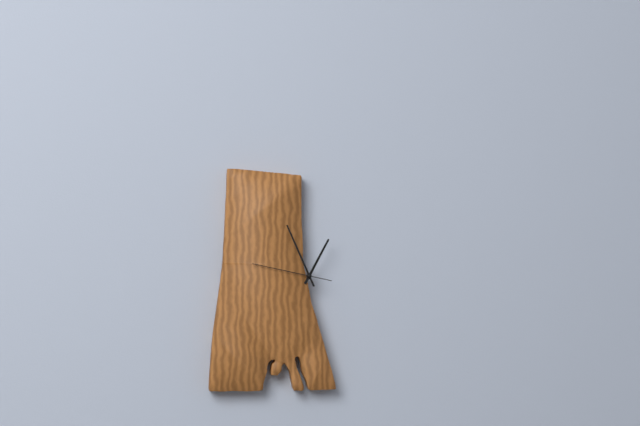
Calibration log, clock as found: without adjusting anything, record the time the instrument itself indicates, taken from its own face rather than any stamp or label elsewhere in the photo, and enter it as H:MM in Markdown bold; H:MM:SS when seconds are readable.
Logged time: **12:56:47**
